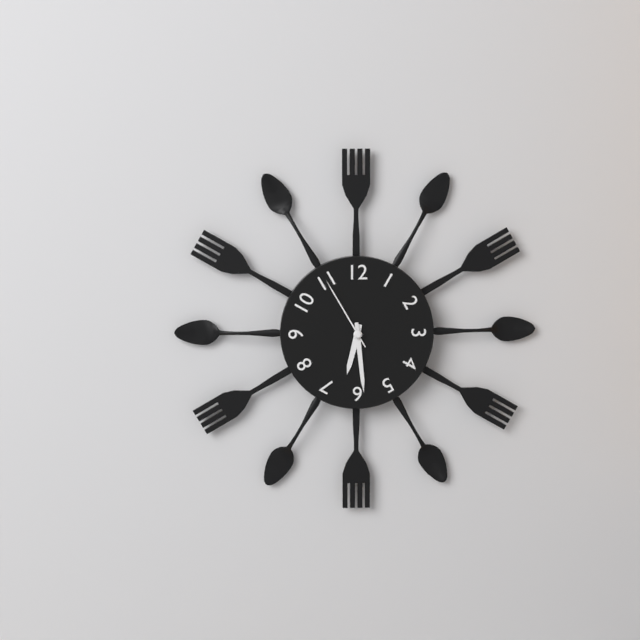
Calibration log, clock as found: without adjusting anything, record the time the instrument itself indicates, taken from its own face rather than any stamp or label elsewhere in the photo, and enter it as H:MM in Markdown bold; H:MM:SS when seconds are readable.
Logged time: **6:29:55**
